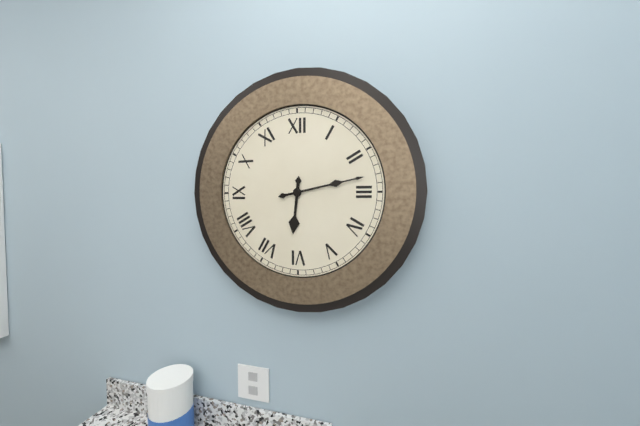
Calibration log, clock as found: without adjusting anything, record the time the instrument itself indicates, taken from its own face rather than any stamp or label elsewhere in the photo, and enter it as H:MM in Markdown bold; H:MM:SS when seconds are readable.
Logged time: **6:13**
